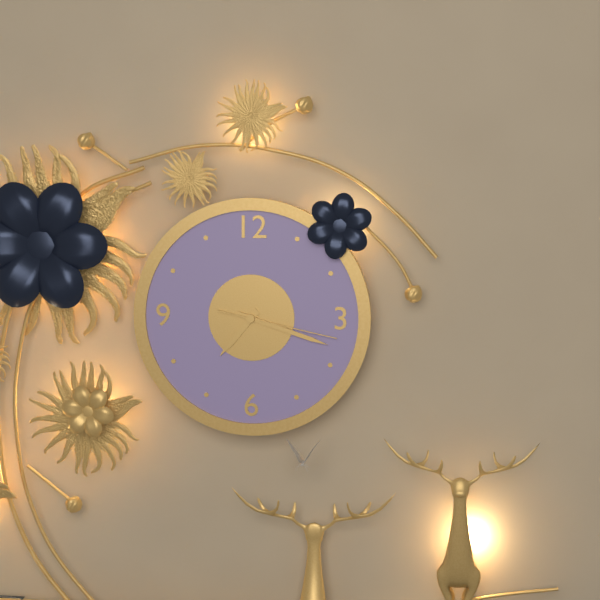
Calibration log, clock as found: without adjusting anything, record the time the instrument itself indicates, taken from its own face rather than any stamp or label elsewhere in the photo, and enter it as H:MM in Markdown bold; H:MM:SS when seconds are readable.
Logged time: **7:18:17**
